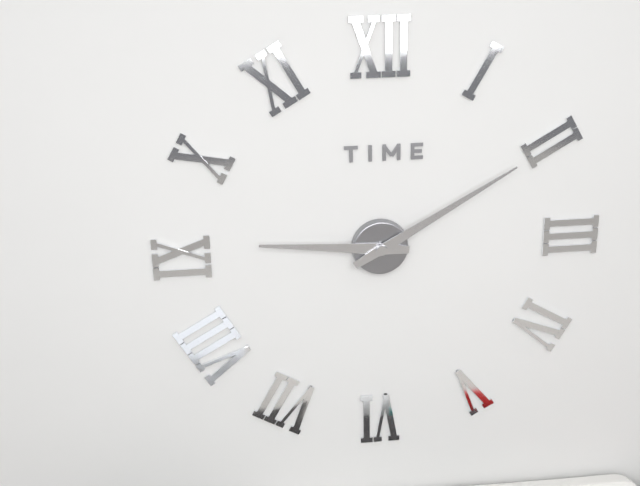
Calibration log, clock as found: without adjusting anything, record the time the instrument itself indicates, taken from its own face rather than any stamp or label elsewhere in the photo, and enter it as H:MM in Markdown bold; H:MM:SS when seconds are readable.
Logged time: **9:10**
